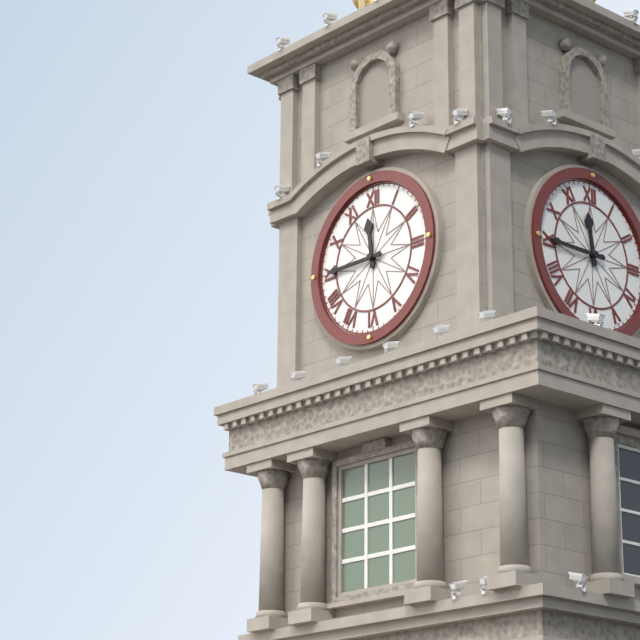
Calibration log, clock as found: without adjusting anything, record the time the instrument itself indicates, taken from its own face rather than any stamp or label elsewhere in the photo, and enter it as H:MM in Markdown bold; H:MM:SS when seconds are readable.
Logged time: **11:45**
